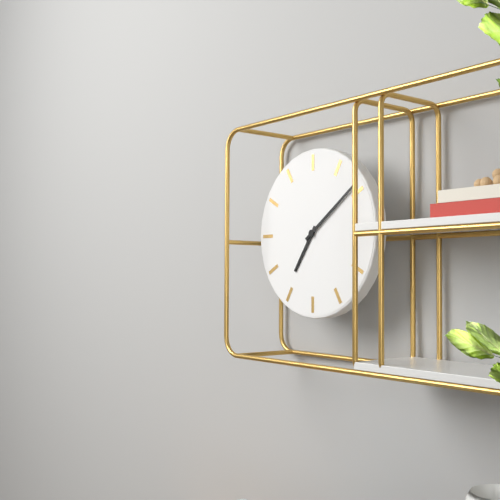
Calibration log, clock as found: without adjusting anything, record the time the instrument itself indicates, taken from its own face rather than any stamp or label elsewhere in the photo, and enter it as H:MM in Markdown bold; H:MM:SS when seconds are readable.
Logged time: **7:09**
